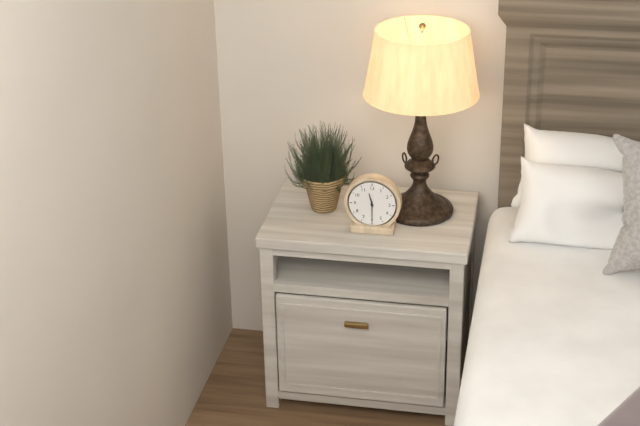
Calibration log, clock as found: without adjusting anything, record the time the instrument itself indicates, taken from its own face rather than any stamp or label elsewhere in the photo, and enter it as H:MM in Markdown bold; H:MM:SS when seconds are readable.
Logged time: **11:30**
